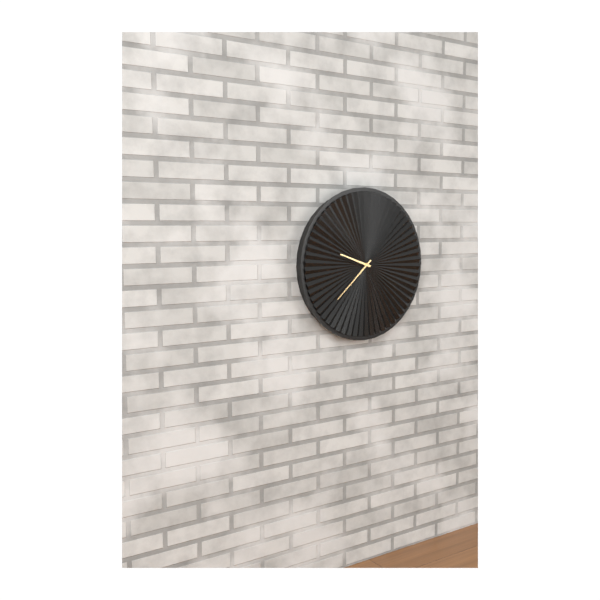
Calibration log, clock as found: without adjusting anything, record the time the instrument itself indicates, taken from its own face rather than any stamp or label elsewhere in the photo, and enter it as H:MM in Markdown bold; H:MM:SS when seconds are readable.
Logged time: **9:38**
